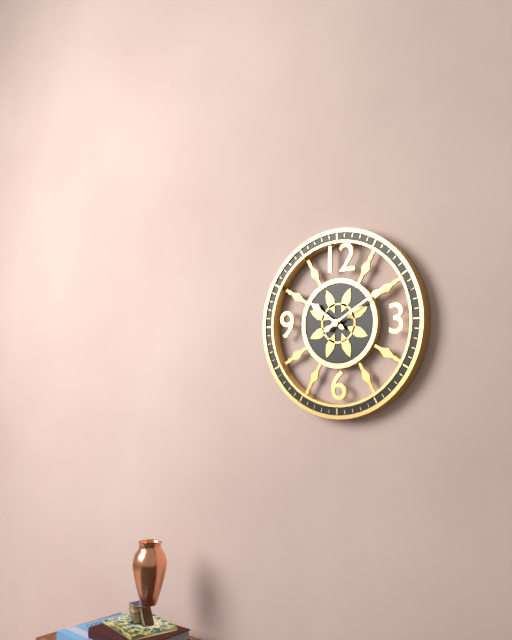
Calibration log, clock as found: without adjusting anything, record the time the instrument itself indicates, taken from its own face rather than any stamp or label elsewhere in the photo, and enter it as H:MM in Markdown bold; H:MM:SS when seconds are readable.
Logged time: **10:10**
